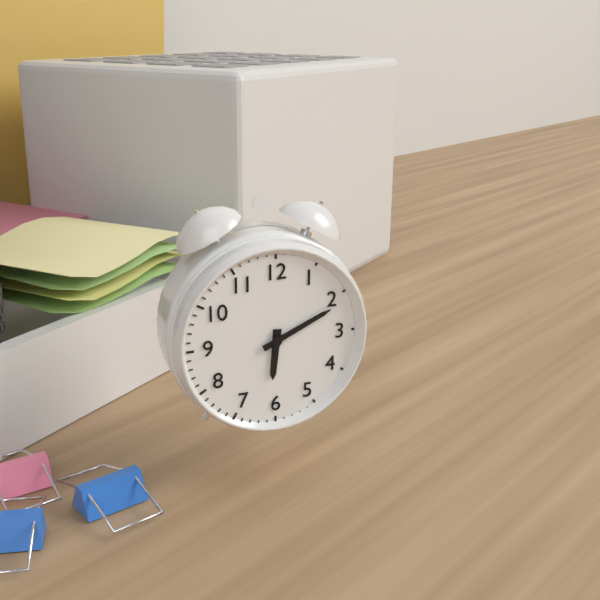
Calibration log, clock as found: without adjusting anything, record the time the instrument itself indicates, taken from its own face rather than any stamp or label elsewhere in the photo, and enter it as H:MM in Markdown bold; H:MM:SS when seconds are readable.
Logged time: **6:11**
